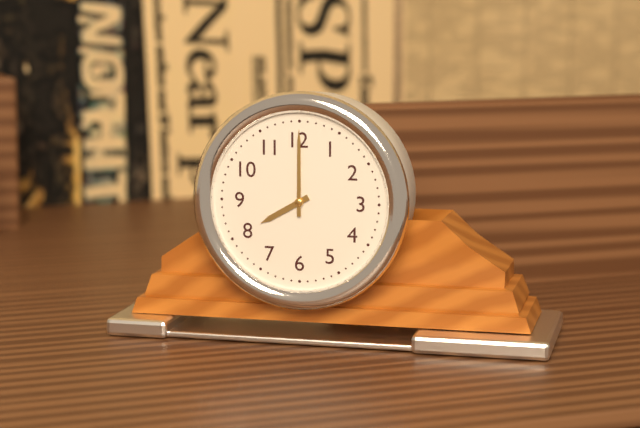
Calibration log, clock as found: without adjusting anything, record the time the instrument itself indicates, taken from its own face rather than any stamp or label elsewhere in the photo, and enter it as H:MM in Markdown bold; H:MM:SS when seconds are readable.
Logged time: **8:00**
